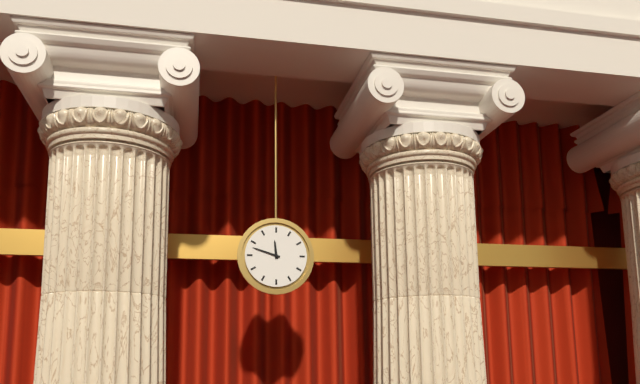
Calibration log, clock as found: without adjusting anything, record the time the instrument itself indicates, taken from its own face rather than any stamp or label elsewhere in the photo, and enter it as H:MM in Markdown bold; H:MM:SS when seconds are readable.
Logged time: **11:48**
